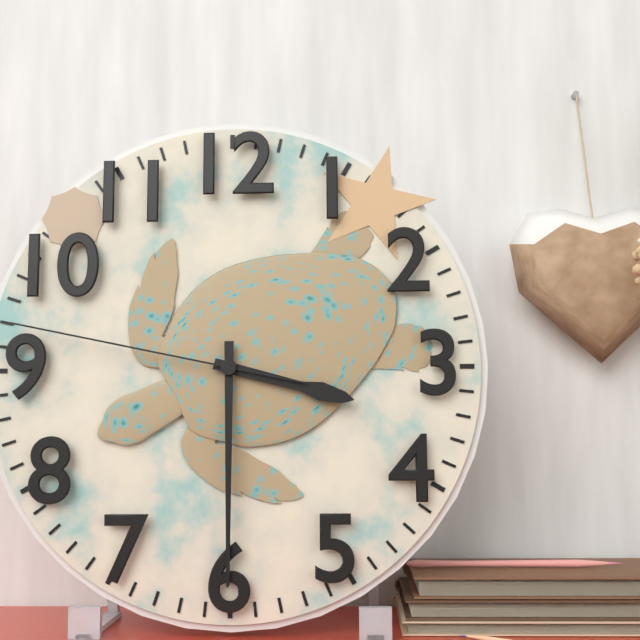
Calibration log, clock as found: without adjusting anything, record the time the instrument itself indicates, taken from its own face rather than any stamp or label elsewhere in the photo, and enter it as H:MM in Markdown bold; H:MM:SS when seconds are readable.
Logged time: **3:30:47**
